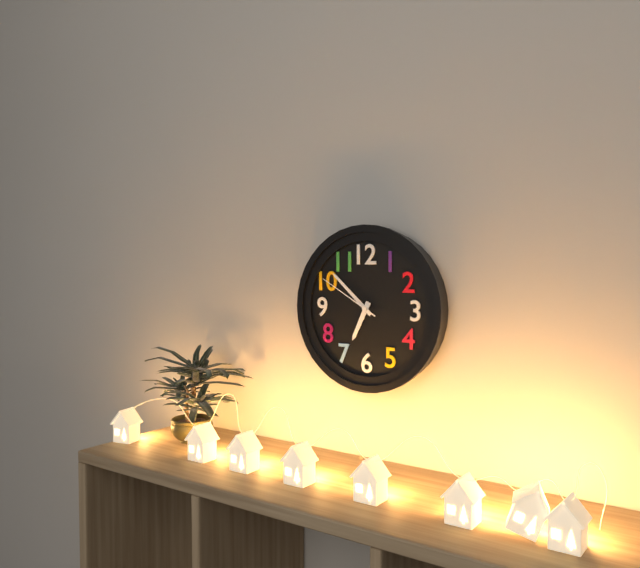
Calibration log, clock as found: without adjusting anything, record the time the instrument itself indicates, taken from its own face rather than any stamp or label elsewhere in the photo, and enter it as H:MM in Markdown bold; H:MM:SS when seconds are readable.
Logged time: **6:52:50**
